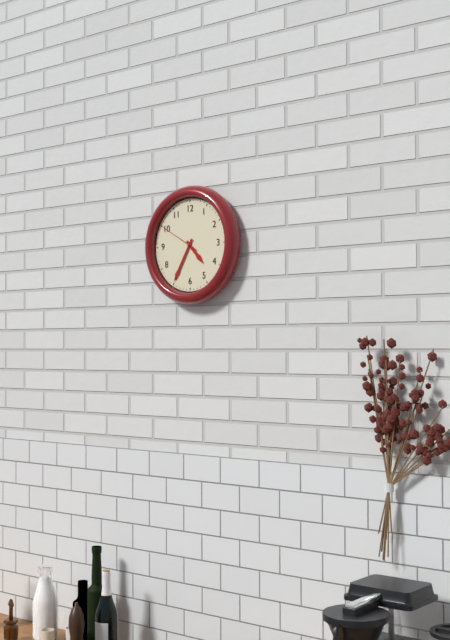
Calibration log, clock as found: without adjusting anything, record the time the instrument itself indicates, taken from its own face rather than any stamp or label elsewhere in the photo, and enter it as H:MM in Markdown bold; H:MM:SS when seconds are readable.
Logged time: **4:35**
